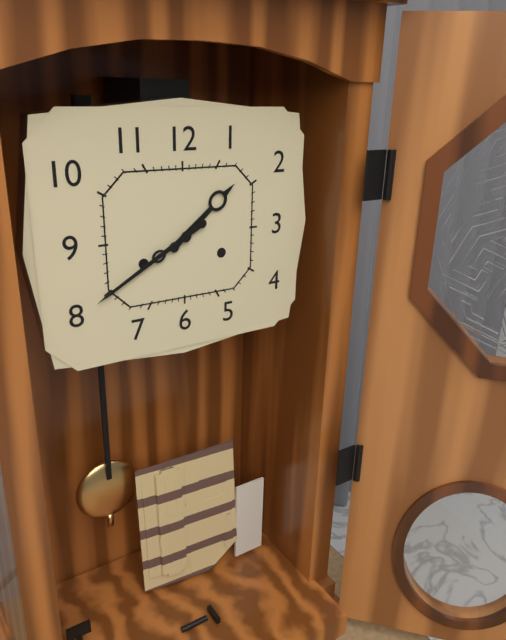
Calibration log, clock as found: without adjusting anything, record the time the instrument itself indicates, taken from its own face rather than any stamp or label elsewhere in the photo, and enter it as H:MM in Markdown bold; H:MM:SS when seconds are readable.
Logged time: **1:40**
